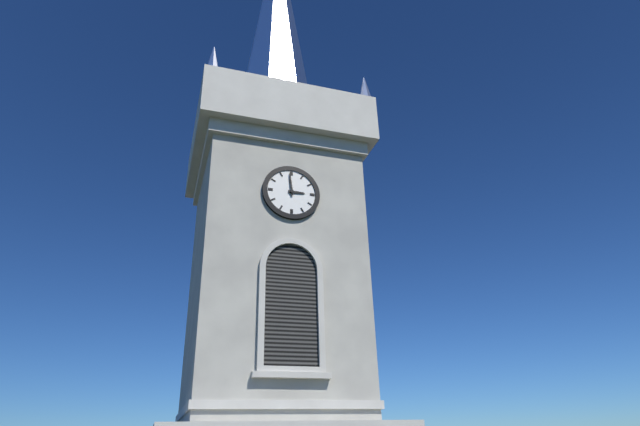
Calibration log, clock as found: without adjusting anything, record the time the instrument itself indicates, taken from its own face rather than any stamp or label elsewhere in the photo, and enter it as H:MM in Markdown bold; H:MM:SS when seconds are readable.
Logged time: **2:59**
